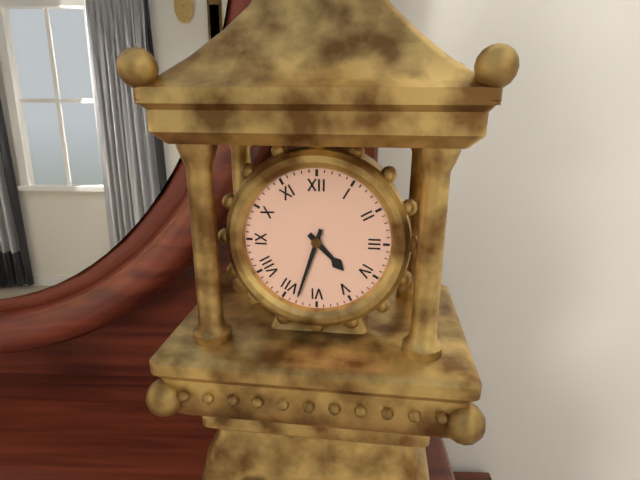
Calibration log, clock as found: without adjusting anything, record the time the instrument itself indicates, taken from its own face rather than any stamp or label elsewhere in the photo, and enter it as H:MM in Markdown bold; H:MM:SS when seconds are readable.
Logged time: **4:33**
